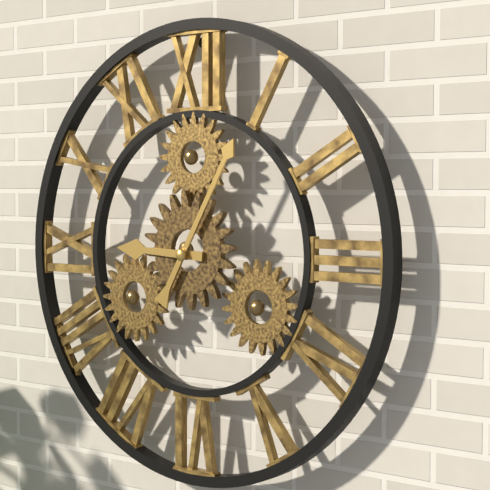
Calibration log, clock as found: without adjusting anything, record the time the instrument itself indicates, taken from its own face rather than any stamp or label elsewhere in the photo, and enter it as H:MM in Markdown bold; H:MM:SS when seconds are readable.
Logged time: **9:05**
